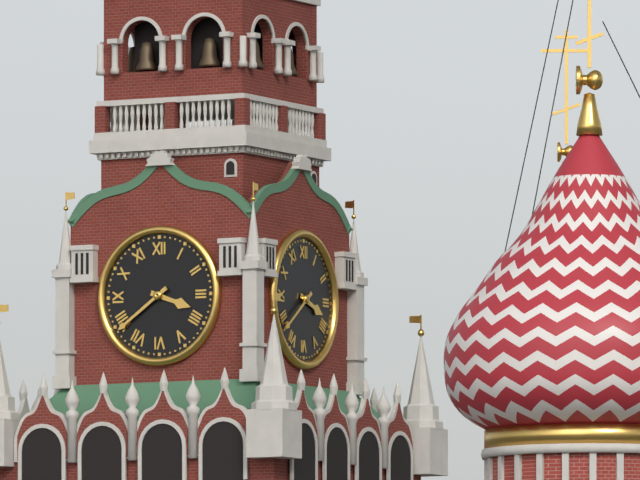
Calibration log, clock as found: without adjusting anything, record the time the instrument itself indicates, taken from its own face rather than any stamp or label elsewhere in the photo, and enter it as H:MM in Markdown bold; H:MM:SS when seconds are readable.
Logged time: **3:39**
